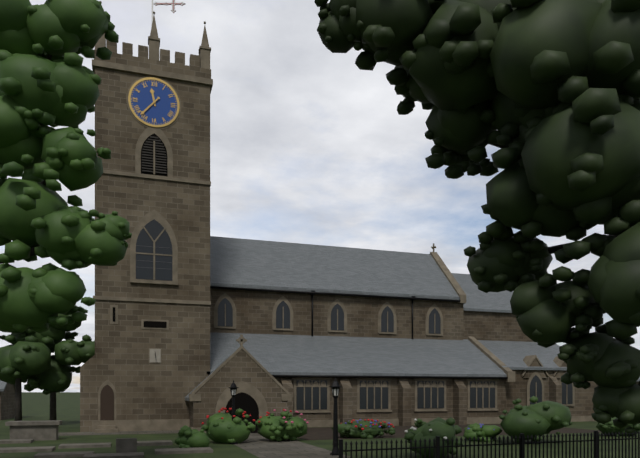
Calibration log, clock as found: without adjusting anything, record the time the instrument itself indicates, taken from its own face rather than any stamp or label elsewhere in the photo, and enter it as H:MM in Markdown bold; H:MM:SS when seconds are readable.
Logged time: **11:37**
